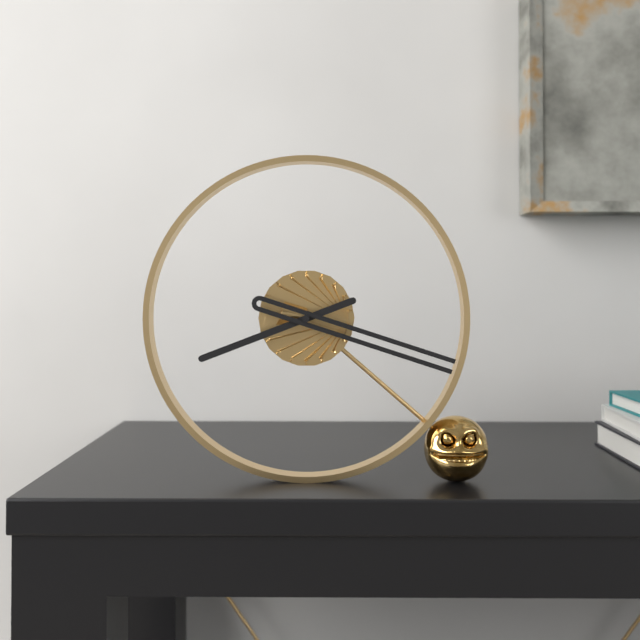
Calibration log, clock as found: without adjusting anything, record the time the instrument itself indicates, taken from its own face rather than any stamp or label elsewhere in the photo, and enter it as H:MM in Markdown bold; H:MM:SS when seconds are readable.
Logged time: **8:18**
